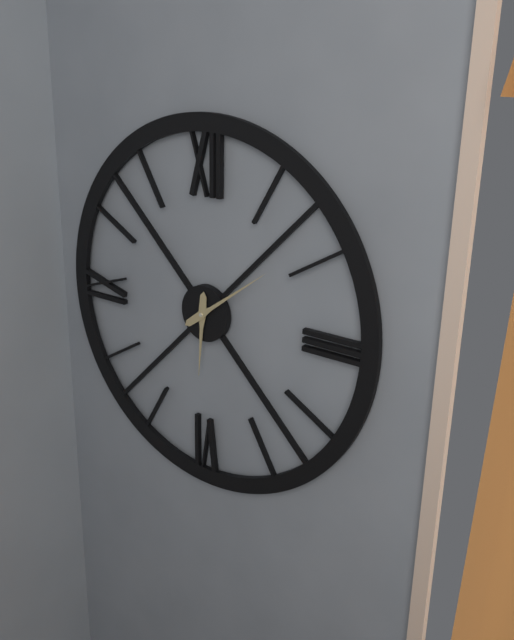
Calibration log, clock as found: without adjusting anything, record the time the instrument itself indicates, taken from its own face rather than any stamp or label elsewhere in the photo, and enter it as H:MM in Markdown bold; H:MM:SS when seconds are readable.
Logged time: **6:09**
